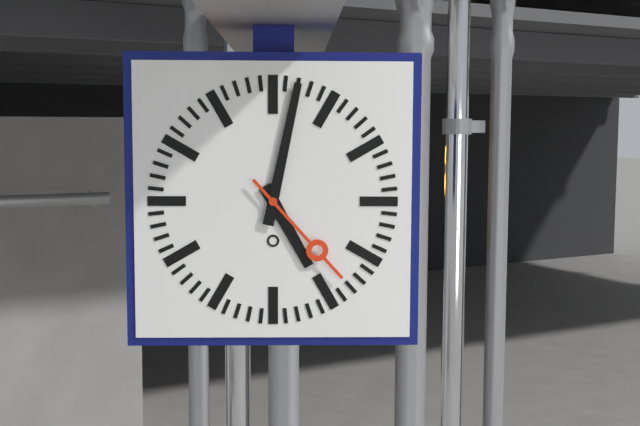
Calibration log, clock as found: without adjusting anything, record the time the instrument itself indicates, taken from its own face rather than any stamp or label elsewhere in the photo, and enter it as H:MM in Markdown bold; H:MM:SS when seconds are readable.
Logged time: **5:02:23**
